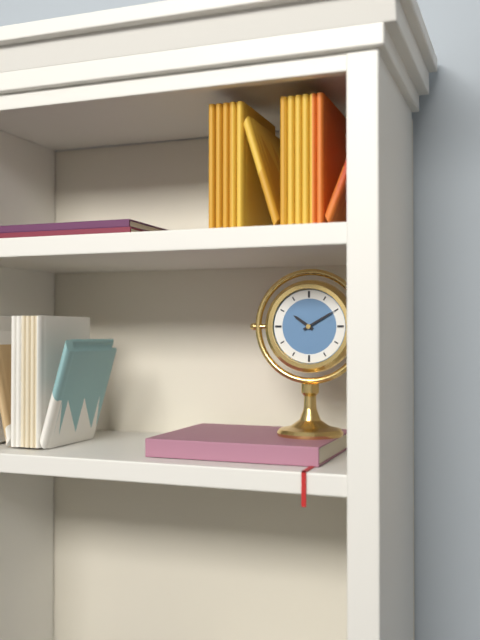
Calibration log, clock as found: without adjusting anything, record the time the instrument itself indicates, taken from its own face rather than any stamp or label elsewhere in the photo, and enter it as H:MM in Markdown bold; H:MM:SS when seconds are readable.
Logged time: **10:10**
